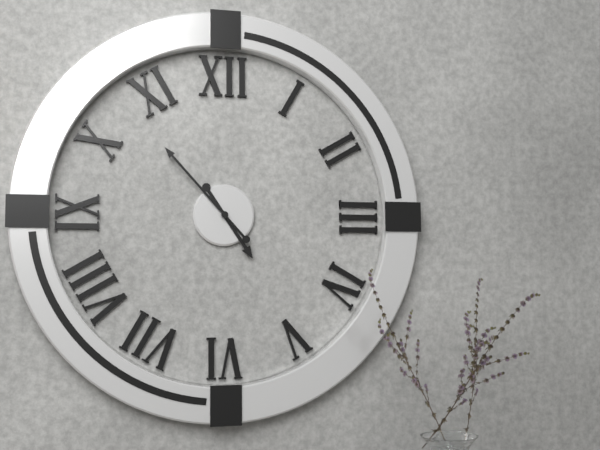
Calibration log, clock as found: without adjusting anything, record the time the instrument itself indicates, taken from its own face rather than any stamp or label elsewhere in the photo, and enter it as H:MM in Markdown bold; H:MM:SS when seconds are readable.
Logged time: **4:53**
